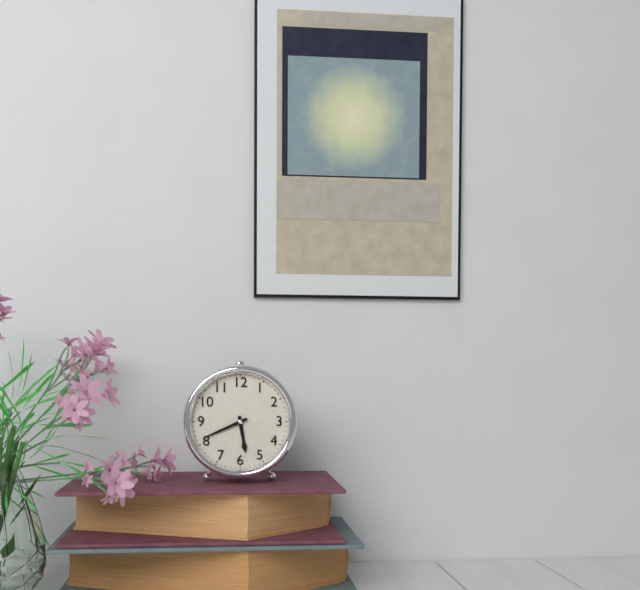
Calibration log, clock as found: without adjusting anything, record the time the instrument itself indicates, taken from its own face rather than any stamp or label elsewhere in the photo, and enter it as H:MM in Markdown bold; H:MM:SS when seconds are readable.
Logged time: **5:41**
